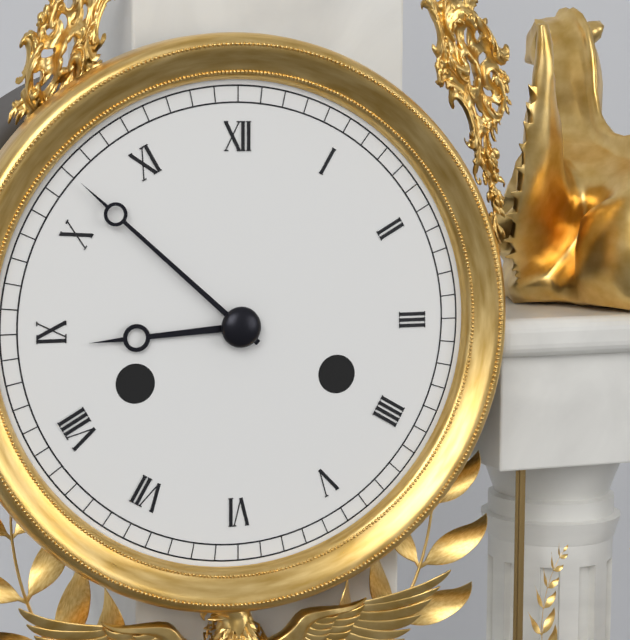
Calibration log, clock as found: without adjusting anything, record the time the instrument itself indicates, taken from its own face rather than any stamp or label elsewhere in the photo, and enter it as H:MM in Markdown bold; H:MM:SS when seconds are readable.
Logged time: **8:52**
